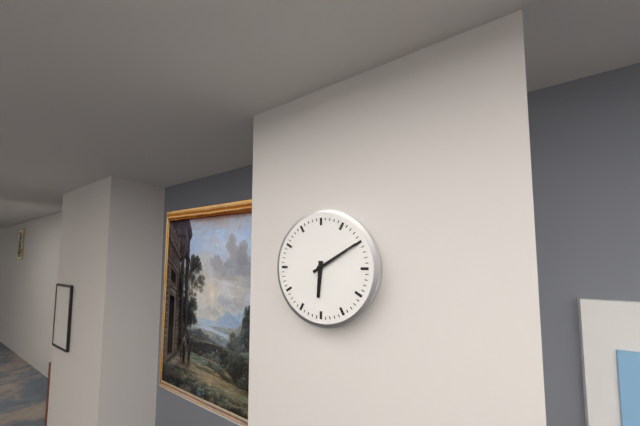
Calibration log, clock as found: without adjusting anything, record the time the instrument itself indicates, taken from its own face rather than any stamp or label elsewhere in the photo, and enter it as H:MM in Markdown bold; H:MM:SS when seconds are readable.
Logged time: **6:10**
